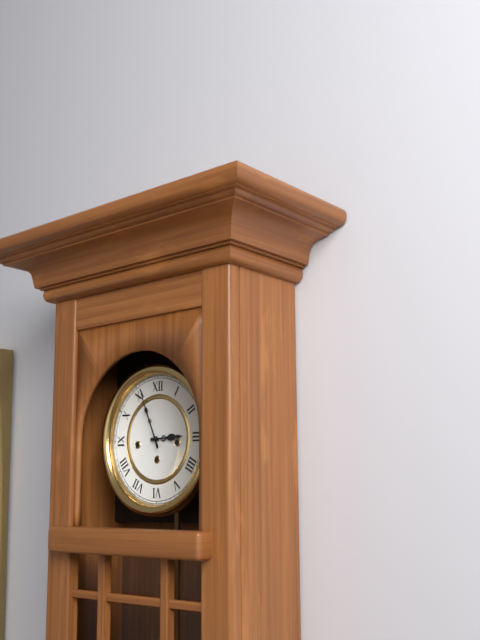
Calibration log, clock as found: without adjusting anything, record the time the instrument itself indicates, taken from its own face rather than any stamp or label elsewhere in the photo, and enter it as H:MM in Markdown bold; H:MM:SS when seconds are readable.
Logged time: **2:56**
